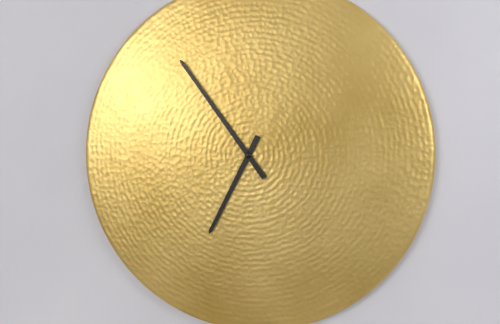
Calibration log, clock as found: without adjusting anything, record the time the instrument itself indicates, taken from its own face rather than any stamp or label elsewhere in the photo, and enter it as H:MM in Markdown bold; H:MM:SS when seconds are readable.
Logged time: **6:54**
